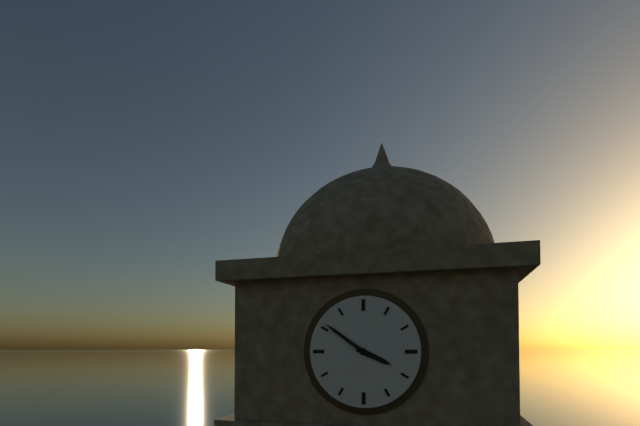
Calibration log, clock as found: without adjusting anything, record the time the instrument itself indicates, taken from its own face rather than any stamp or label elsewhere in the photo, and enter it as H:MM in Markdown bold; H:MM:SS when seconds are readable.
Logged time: **3:51**
